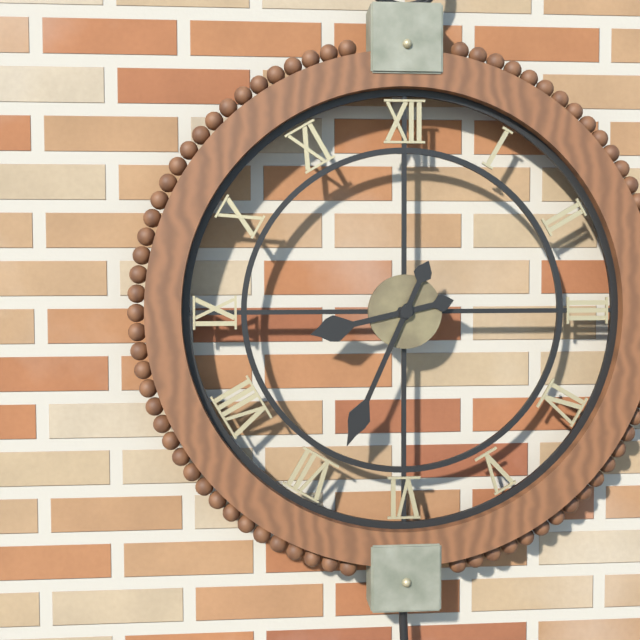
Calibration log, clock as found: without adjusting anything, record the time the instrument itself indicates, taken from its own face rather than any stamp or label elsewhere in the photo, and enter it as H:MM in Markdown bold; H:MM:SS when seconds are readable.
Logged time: **8:34**
